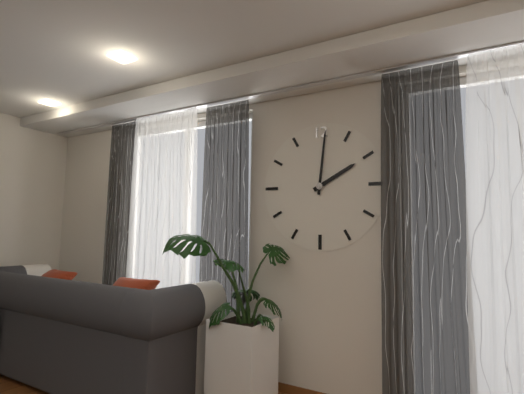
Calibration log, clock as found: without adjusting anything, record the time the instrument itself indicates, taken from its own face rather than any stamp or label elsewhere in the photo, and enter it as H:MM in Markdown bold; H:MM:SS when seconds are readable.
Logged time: **2:01**
